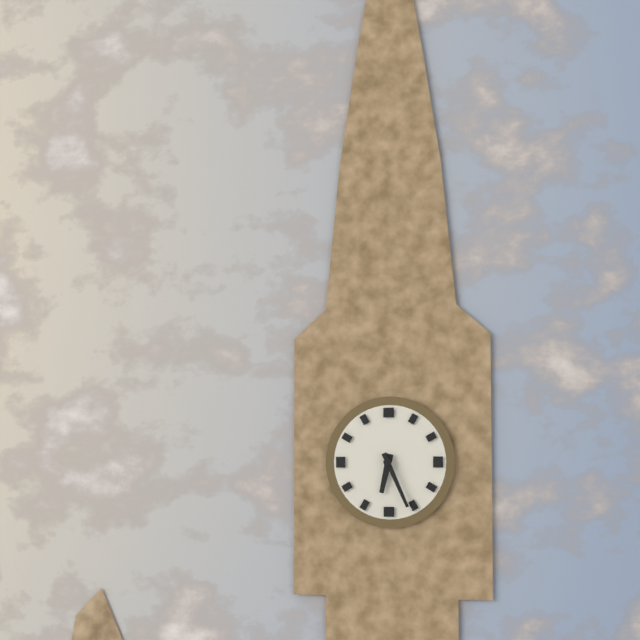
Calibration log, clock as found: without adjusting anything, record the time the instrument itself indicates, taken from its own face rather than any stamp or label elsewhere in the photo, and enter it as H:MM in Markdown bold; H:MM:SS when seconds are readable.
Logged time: **6:26**
